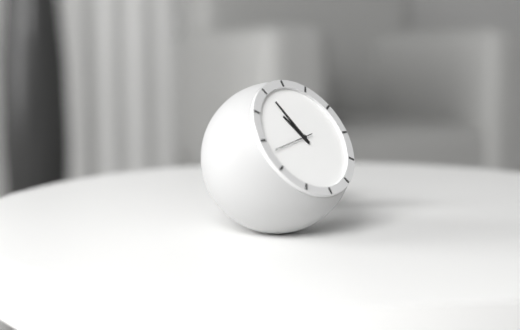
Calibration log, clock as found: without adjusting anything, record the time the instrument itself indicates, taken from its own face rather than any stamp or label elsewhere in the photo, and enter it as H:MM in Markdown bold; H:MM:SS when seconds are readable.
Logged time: **10:56**
